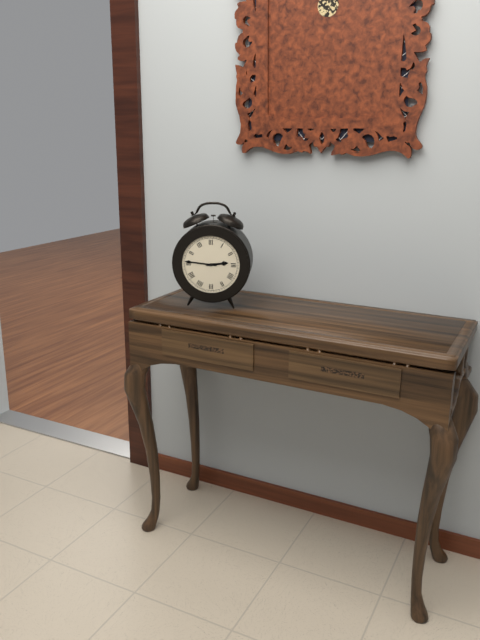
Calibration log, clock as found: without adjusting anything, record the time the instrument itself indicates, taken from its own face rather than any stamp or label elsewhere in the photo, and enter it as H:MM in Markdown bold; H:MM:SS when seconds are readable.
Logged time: **2:46**
